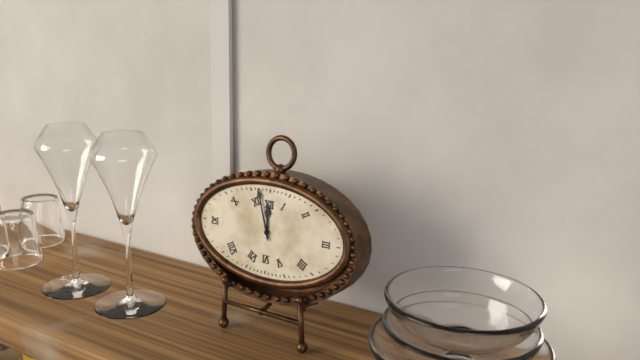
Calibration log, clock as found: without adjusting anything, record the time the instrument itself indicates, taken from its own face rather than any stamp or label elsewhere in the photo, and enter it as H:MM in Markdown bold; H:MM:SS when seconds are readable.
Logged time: **11:57**
